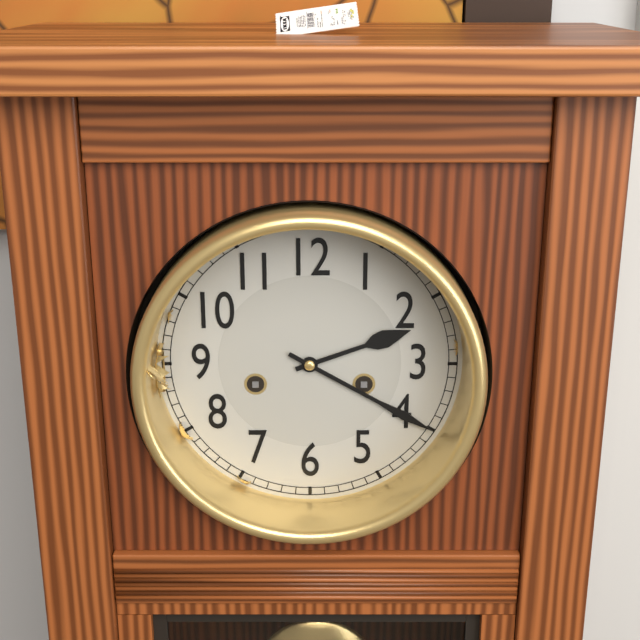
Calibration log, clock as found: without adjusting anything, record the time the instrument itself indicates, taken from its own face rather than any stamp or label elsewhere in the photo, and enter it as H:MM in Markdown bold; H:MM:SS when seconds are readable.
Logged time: **2:20**
